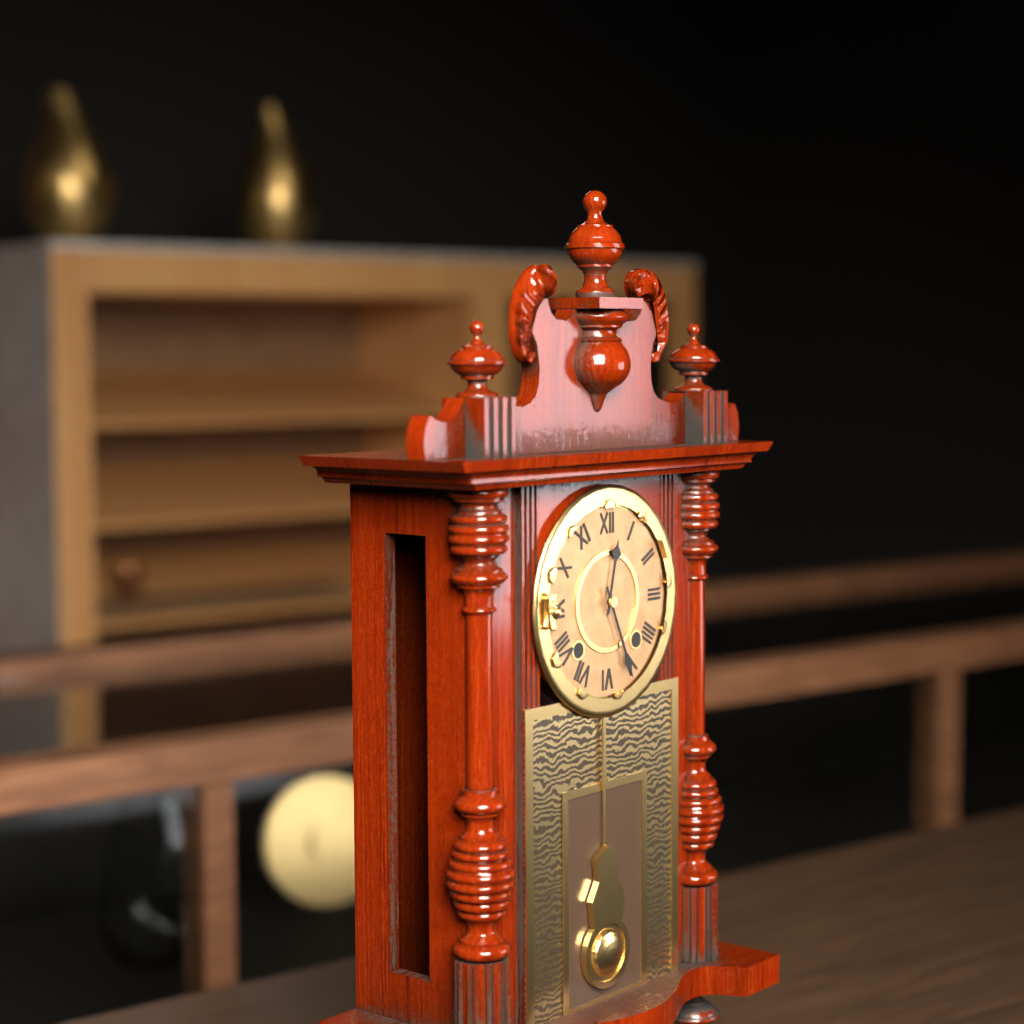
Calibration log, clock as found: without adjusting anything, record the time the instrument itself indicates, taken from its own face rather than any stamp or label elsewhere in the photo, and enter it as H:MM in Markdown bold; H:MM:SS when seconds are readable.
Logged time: **12:26**
